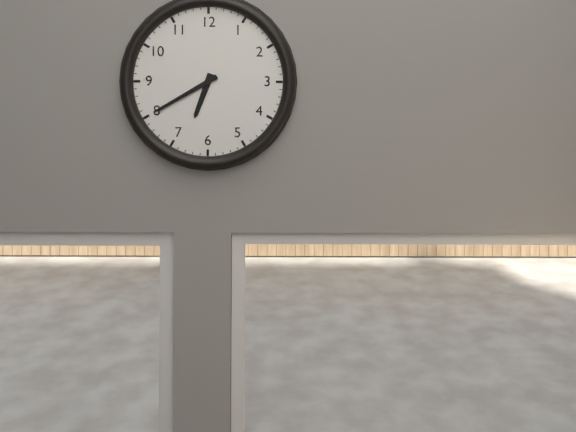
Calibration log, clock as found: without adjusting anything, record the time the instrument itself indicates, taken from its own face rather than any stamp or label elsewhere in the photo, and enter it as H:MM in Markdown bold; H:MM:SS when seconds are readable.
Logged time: **6:40**
